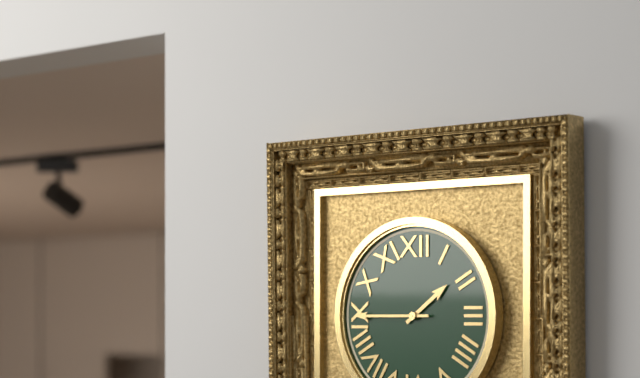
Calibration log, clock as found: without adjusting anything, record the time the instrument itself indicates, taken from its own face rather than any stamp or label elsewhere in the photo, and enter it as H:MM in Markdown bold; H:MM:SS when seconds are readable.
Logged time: **1:45**
